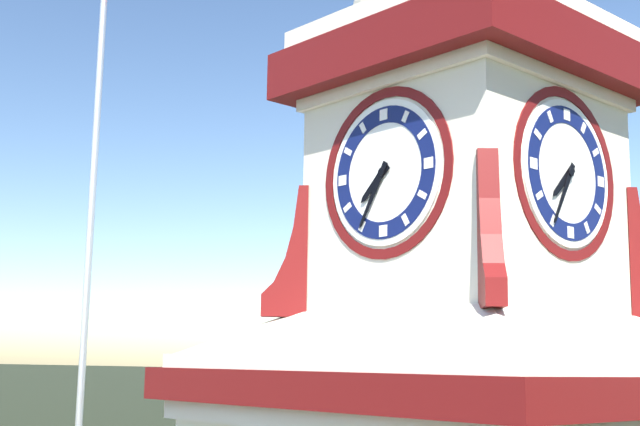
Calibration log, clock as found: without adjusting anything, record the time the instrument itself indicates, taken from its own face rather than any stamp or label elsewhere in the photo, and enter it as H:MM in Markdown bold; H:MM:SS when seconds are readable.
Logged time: **7:35**
